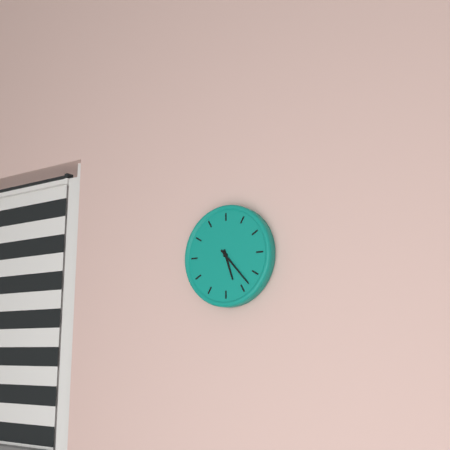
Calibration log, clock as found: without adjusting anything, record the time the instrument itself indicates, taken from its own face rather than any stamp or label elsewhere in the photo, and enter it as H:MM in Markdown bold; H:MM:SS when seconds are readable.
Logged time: **5:23**
